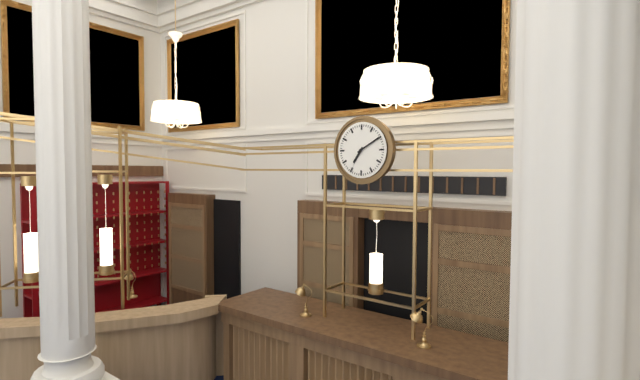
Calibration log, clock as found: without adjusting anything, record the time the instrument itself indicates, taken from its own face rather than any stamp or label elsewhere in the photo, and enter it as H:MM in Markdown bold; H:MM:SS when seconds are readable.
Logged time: **7:10**
